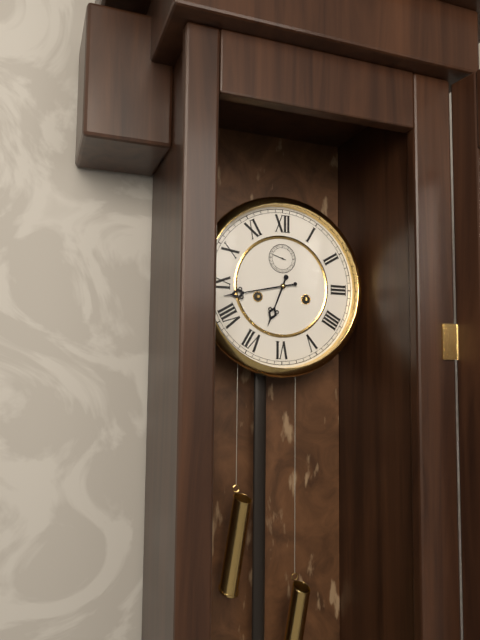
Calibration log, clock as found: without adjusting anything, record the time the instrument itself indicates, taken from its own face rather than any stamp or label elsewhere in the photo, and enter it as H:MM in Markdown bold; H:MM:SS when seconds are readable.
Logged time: **6:43**
